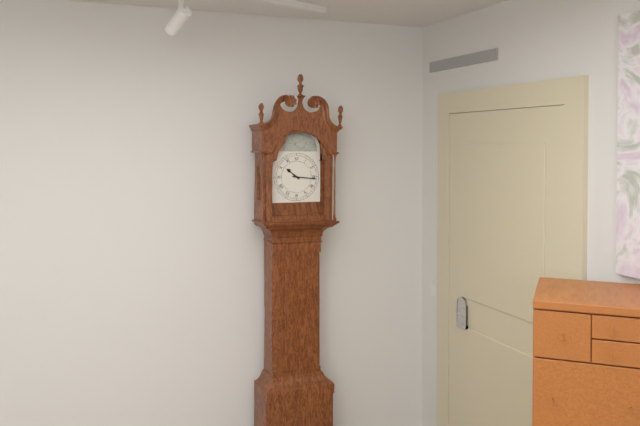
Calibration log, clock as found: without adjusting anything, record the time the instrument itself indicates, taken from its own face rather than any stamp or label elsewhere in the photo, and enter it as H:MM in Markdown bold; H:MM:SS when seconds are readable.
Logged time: **10:16**
